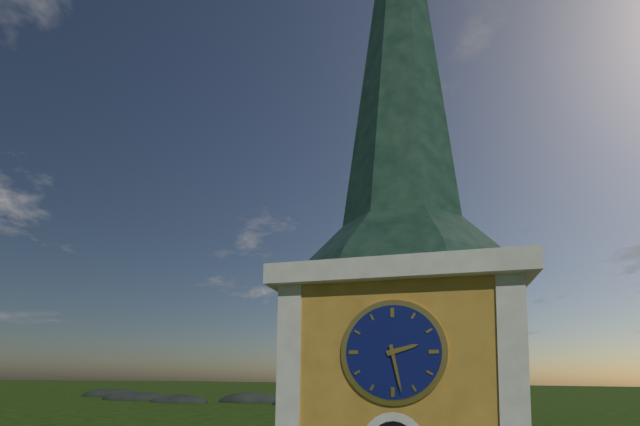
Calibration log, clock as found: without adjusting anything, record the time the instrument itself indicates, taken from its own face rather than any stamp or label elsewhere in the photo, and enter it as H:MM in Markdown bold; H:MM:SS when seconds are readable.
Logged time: **2:28**
